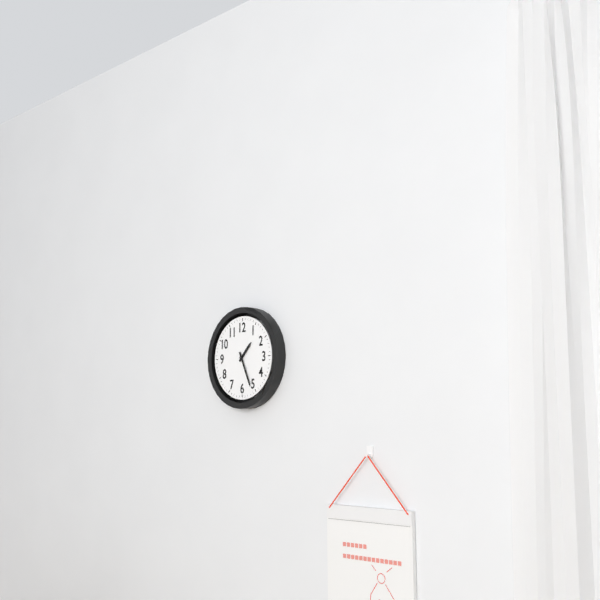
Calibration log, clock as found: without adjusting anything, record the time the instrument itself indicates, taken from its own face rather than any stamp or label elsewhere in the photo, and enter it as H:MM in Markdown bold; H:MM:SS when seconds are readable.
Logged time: **1:26**
